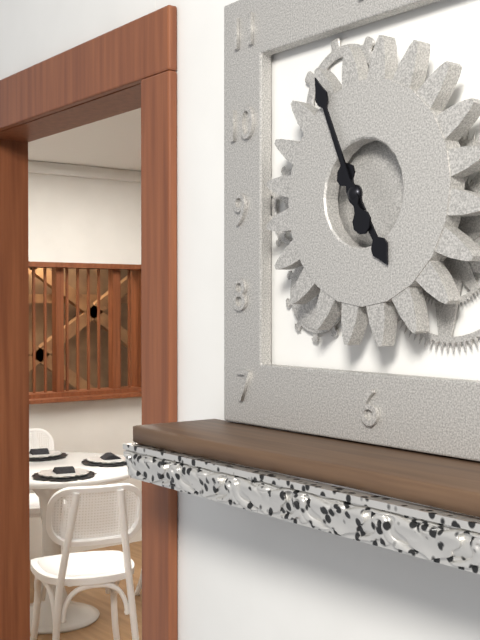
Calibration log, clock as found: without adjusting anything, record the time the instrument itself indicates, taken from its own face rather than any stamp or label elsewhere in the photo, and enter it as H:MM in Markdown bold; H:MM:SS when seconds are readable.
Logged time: **4:56**
